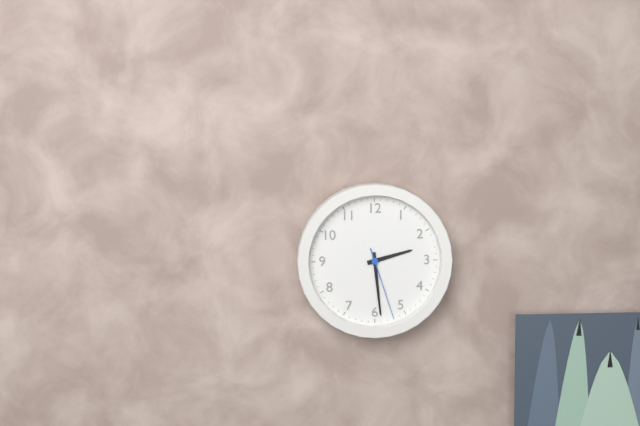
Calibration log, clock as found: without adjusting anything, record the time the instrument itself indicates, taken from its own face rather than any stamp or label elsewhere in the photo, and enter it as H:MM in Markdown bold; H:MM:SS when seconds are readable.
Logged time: **2:29:27**
